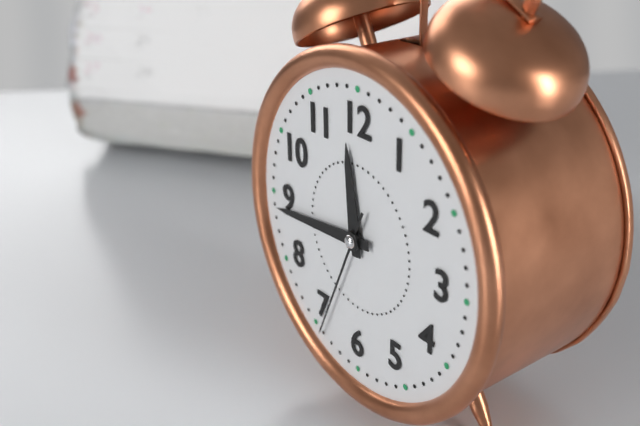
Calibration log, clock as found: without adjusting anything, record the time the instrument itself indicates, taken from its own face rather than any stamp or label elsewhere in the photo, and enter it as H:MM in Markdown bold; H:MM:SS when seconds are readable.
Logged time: **11:44:34**
